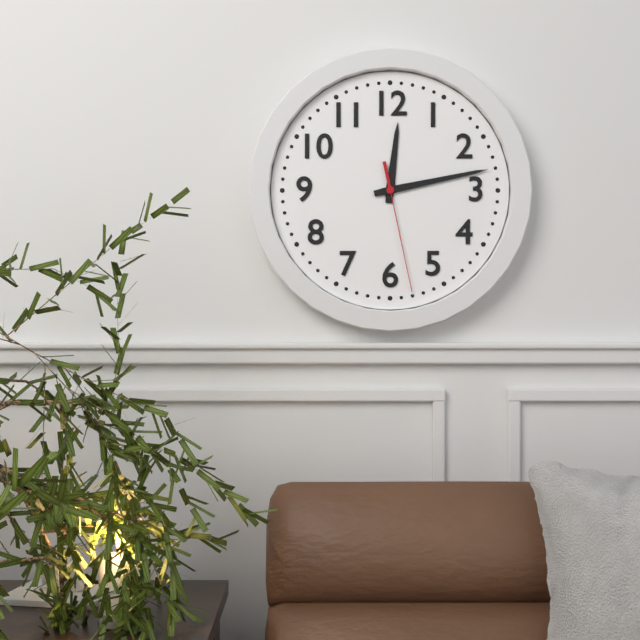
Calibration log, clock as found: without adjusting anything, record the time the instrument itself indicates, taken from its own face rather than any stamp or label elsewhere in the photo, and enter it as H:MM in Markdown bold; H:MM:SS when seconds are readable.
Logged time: **12:13:28**
